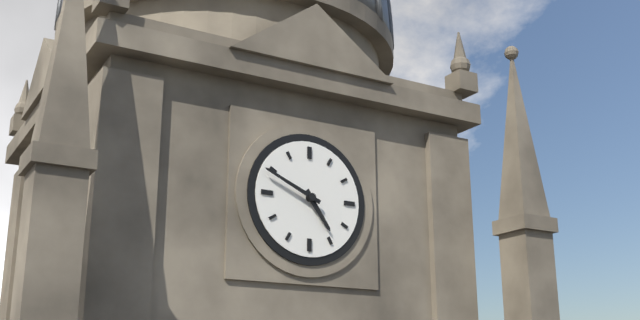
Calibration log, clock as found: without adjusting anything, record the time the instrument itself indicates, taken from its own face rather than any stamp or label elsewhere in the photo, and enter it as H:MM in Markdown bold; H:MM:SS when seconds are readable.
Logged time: **4:49**
